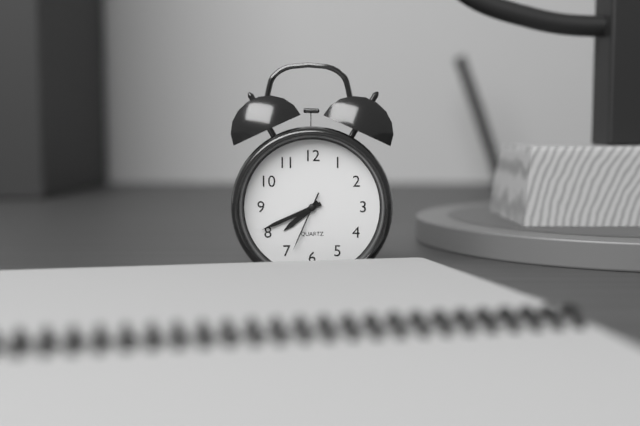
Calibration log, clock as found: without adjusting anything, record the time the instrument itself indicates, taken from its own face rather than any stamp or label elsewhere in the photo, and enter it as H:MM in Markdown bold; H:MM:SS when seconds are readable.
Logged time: **7:41:34**
